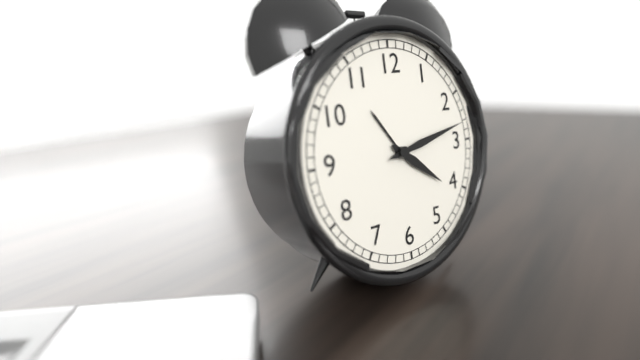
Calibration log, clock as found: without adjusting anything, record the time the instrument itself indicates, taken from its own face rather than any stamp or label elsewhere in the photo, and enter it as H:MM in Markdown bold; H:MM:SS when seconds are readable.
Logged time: **4:13**
